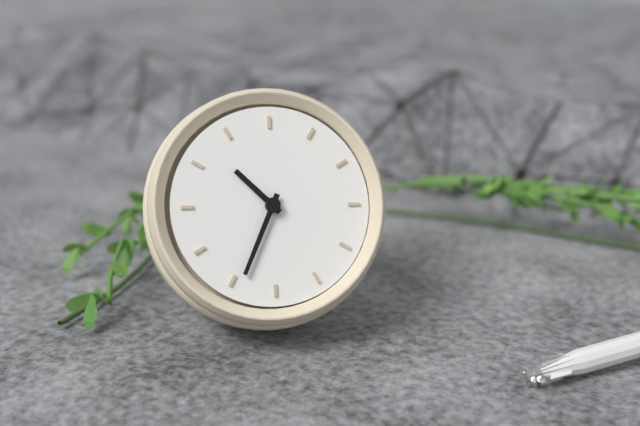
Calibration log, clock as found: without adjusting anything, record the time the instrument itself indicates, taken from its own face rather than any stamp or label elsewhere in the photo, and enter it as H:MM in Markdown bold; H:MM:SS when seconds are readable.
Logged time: **9:29**
